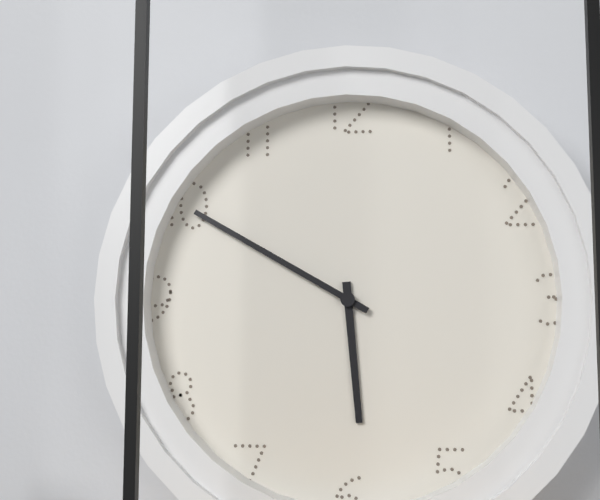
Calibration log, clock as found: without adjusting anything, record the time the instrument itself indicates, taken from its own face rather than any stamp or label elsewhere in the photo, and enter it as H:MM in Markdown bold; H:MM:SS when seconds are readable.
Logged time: **5:50**
